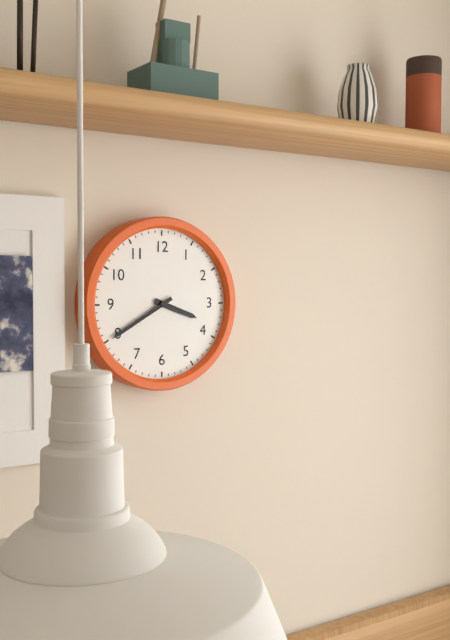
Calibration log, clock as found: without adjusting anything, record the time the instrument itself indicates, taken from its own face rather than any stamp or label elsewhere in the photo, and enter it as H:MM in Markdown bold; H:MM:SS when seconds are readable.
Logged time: **3:40**
